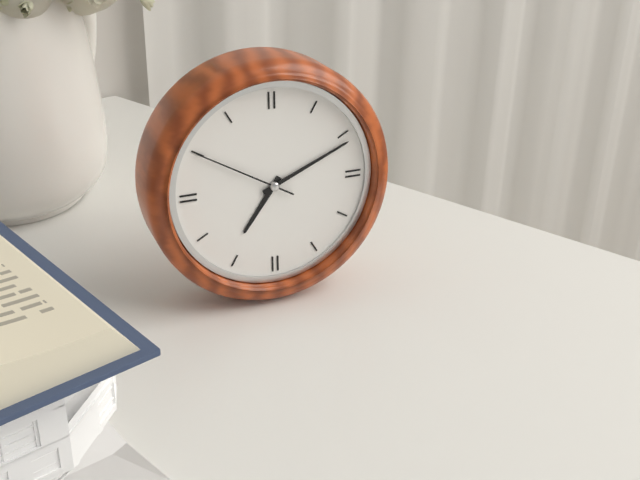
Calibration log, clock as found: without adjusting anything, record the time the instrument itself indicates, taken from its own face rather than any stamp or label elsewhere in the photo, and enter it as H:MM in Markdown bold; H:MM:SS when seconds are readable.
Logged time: **7:11:50**
